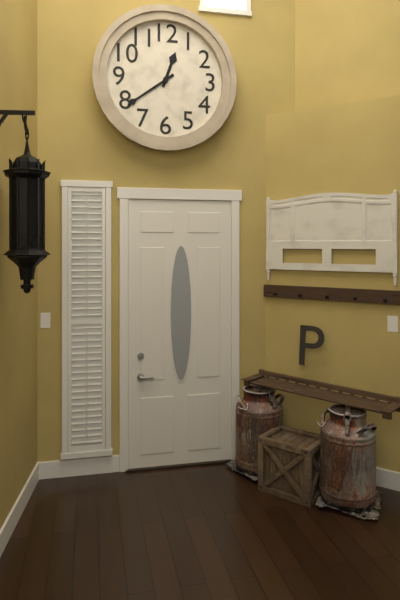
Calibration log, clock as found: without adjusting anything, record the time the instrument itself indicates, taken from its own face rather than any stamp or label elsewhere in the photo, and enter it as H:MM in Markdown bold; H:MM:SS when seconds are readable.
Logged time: **12:39**
